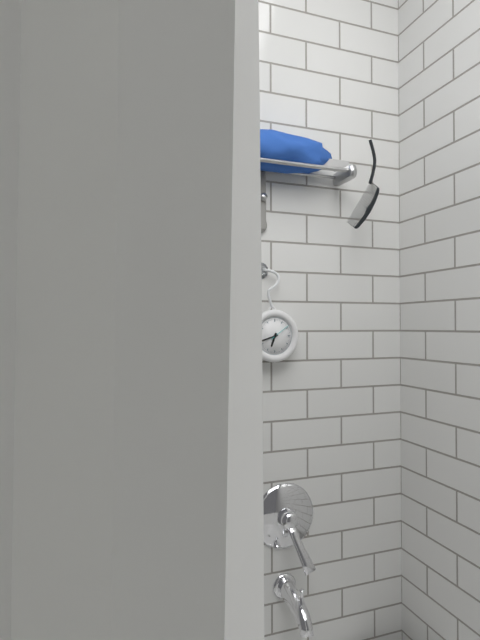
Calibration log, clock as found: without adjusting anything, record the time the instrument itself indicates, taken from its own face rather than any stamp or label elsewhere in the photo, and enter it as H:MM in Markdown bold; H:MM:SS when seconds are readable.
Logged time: **6:42**
